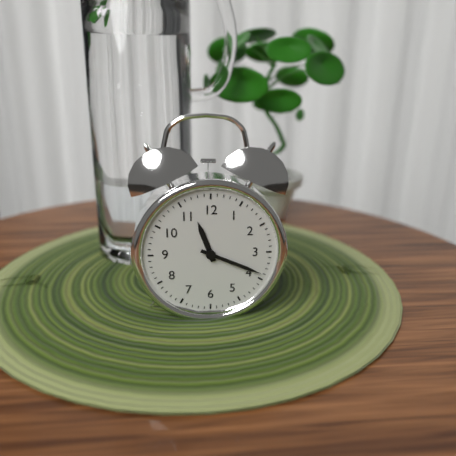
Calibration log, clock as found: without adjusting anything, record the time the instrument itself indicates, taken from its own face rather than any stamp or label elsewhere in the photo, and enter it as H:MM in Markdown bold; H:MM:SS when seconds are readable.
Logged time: **11:19**
